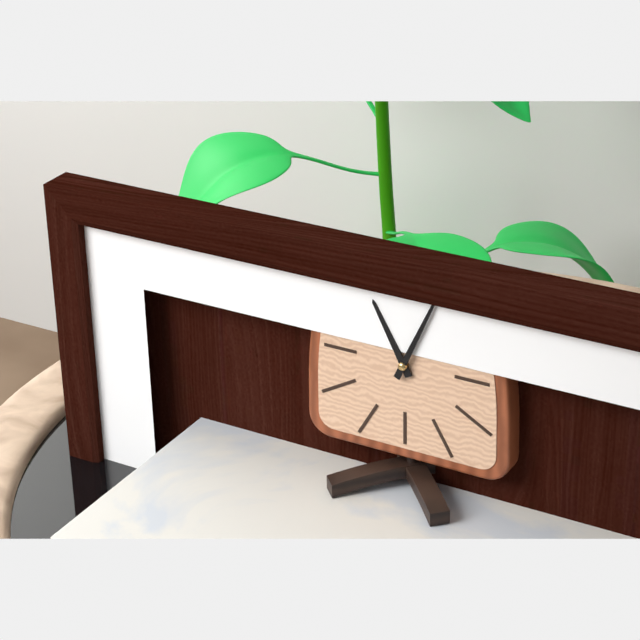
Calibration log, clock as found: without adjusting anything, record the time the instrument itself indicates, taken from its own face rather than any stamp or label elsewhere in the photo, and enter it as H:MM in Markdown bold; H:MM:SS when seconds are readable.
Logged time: **11:04**
